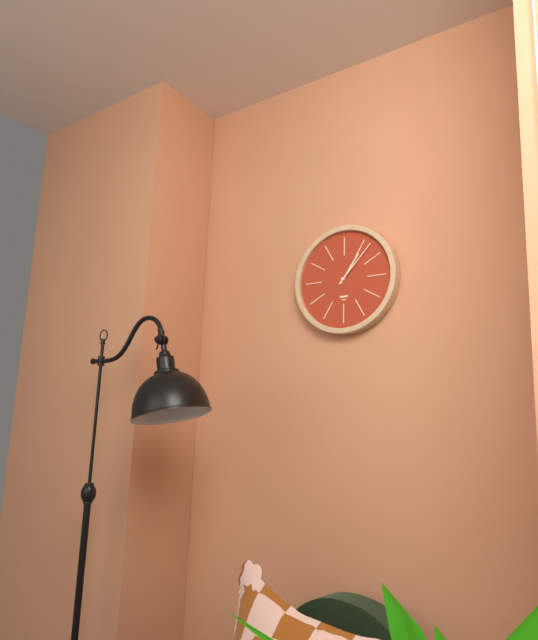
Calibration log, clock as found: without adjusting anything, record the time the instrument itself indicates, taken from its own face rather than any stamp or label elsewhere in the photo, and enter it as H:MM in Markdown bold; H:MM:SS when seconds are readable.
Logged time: **1:07**
